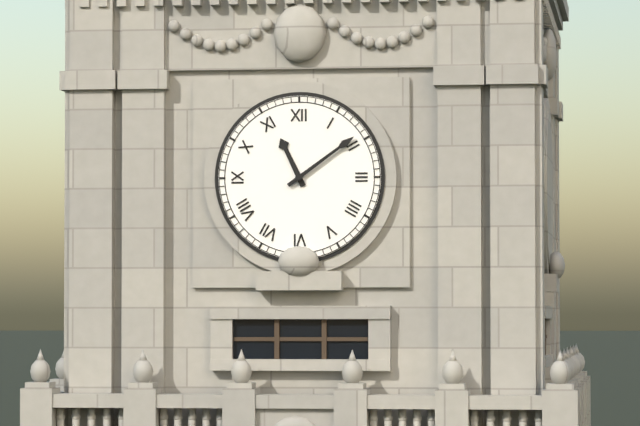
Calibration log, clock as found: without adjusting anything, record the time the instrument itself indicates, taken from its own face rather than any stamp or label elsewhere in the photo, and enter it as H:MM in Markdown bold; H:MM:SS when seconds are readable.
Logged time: **11:09**
